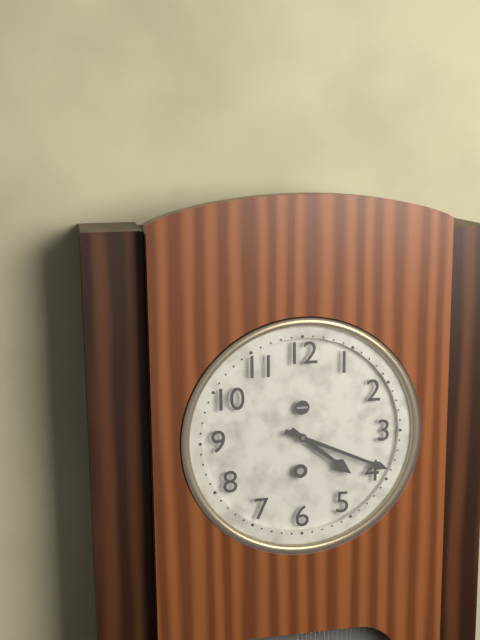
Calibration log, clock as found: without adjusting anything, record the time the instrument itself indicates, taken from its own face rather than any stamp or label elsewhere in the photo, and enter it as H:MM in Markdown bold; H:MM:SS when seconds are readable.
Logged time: **4:19**
